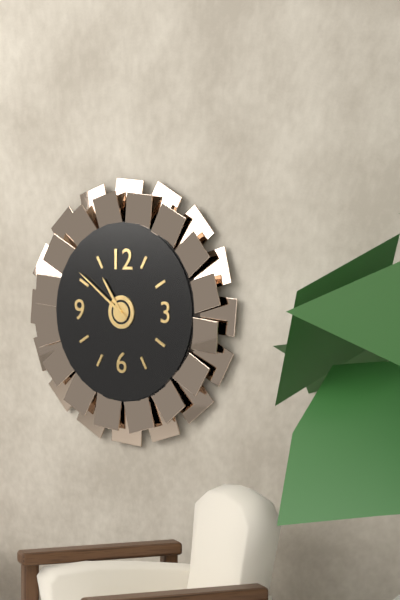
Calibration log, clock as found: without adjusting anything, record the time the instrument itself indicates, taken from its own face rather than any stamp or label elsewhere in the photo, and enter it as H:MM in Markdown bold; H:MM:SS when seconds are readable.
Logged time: **10:51**
